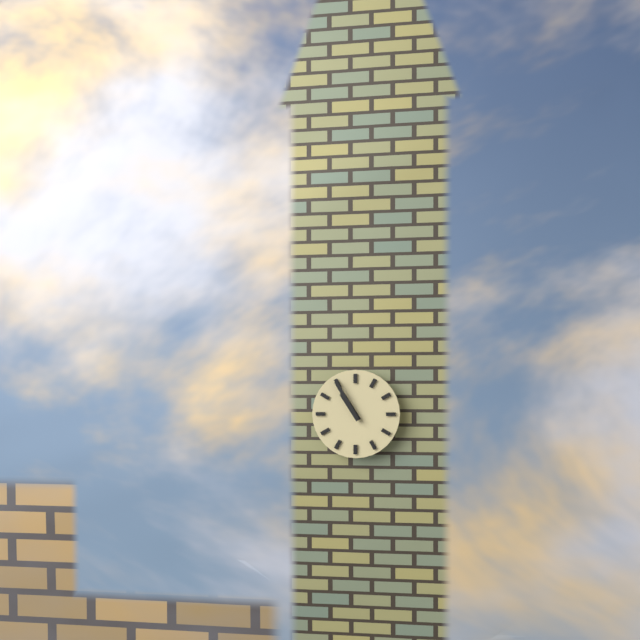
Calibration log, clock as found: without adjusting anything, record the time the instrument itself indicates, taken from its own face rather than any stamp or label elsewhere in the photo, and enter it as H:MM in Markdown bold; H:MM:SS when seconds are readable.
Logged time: **10:55**
